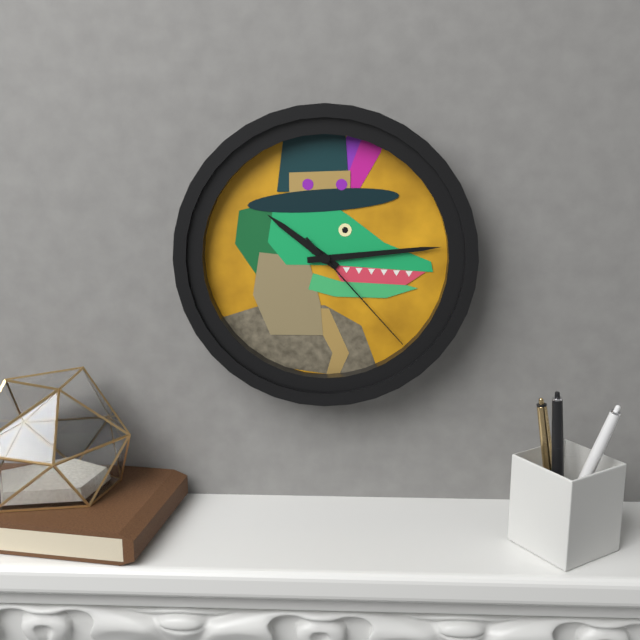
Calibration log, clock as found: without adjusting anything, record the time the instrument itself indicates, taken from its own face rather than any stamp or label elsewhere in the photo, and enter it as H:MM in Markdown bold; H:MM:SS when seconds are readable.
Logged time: **10:14:23**
